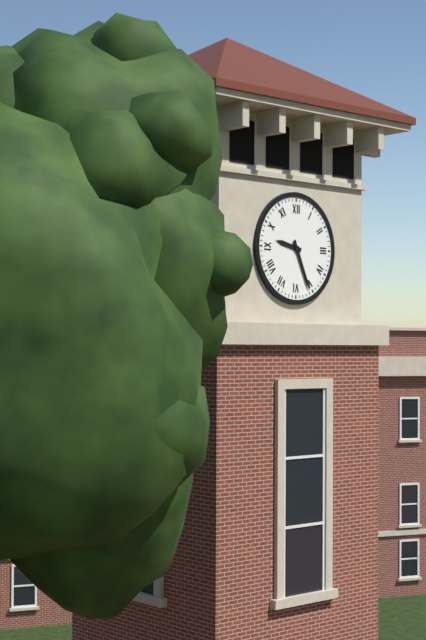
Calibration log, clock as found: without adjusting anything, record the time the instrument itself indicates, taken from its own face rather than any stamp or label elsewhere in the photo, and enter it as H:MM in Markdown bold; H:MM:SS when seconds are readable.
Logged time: **9:26**
